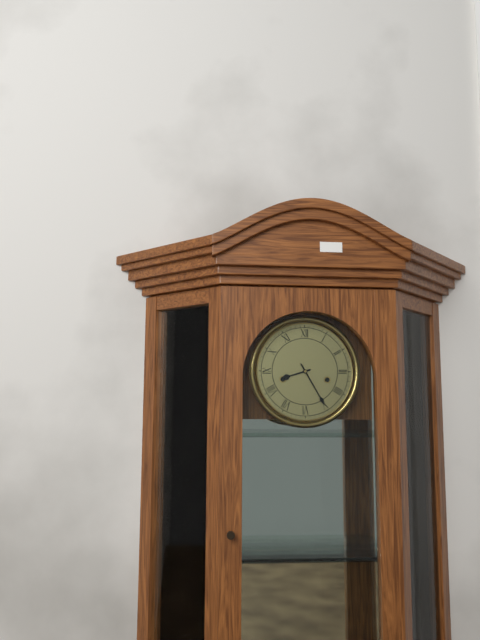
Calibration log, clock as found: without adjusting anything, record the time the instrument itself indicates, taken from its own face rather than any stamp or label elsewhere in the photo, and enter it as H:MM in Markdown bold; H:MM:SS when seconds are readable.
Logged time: **8:25**
